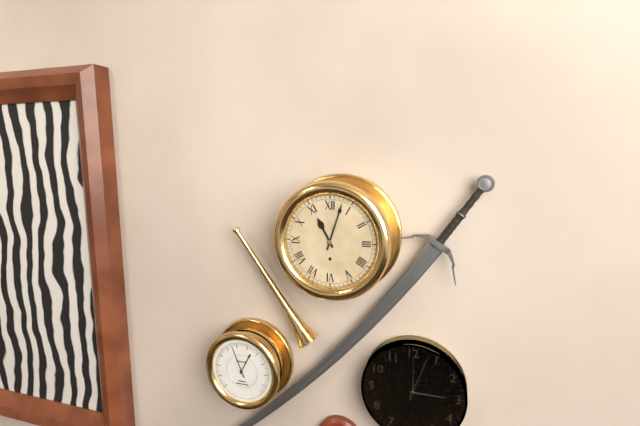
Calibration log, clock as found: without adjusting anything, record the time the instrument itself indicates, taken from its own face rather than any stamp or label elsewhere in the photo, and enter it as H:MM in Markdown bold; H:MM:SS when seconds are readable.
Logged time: **11:03**
